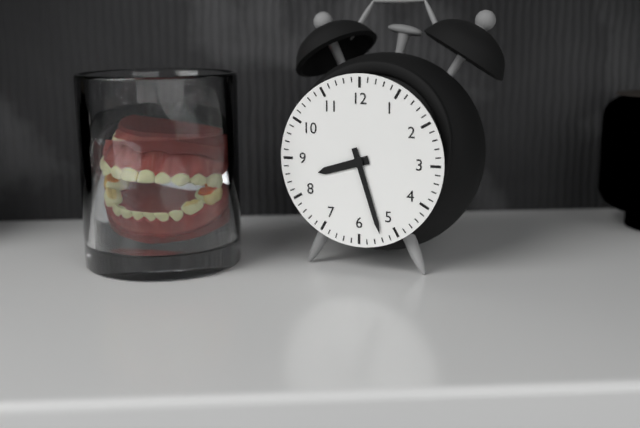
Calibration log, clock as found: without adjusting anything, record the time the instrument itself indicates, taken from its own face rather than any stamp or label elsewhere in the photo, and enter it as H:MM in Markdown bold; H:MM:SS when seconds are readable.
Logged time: **8:27**
